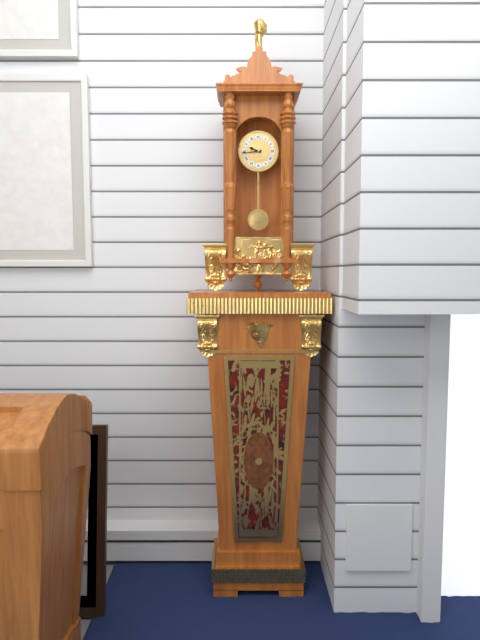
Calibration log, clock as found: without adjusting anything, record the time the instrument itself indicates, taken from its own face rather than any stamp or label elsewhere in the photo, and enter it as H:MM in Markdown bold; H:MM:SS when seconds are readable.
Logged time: **9:44**
